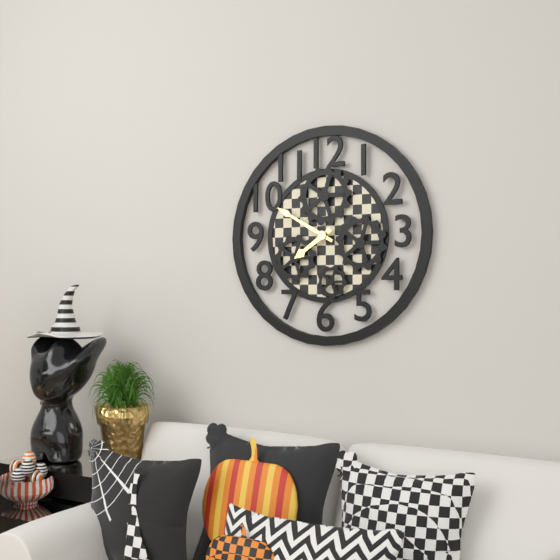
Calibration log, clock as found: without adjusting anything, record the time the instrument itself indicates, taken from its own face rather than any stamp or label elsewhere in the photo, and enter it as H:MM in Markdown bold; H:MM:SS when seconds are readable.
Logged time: **7:50**
